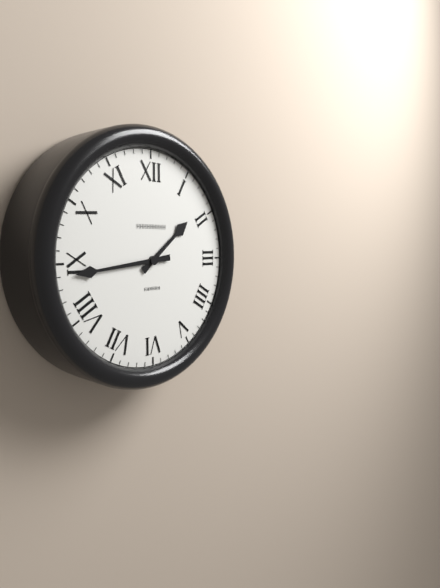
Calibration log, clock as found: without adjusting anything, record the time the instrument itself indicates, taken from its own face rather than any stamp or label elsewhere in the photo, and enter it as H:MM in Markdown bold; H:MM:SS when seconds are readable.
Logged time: **1:44**
